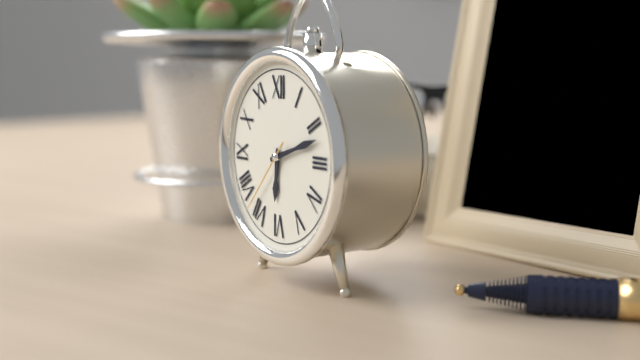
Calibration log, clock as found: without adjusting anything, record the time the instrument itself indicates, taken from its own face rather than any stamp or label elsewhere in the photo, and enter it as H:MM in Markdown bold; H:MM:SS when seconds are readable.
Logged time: **6:12:37**
